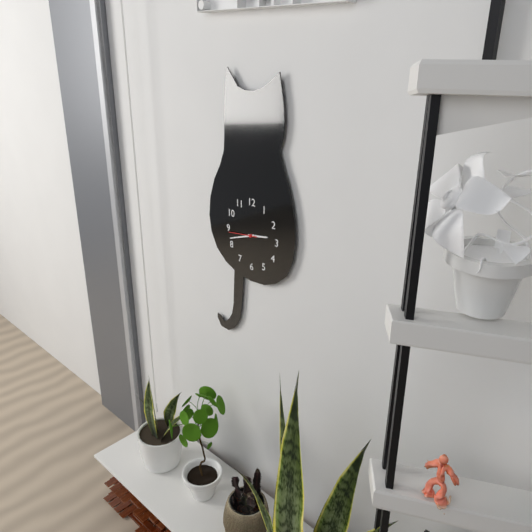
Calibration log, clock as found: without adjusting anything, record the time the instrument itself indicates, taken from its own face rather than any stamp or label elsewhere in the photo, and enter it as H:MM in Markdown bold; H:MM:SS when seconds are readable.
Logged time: **2:42**
